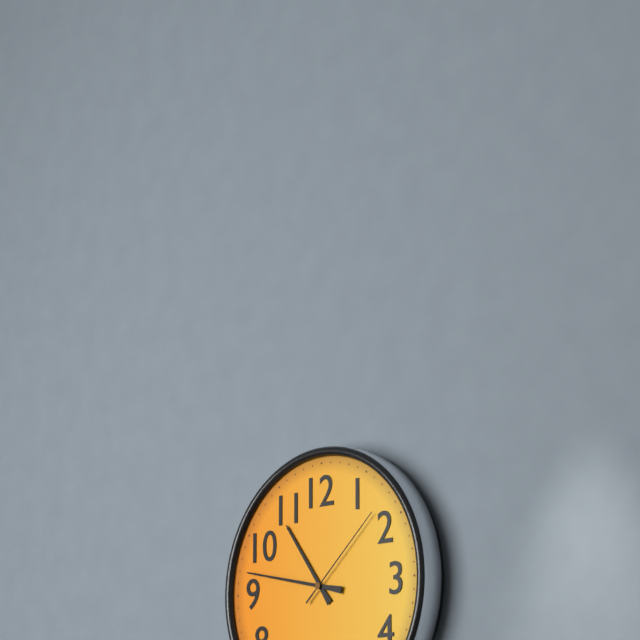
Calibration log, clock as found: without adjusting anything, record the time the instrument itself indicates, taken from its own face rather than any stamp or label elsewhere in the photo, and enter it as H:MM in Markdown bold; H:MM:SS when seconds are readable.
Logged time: **10:47:08**
